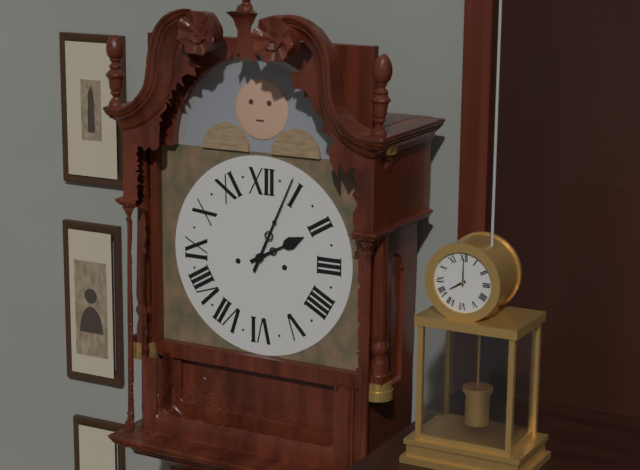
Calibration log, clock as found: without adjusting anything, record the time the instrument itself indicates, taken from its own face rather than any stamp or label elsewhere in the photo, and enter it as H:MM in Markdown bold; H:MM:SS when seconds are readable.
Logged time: **2:04**
